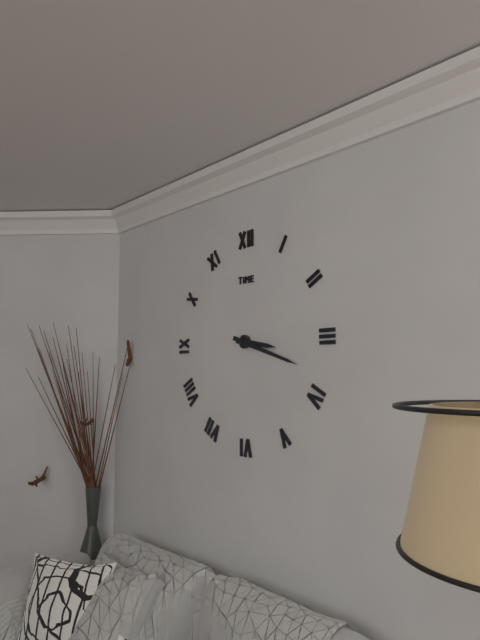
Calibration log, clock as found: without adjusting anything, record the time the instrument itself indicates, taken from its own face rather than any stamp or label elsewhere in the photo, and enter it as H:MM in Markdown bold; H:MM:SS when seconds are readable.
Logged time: **3:18**
